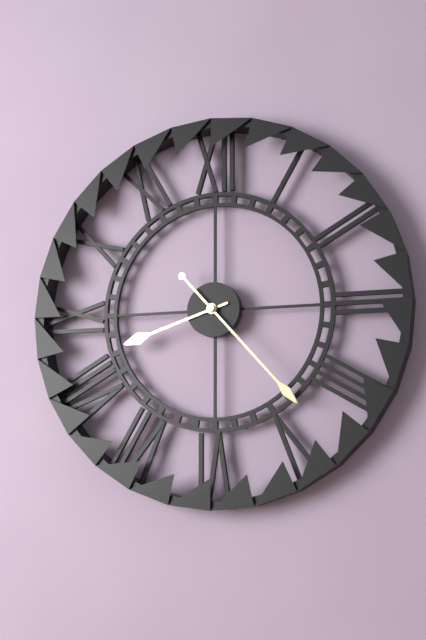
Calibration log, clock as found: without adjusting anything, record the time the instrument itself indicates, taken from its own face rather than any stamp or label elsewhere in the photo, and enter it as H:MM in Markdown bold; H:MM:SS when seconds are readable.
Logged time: **8:23**
